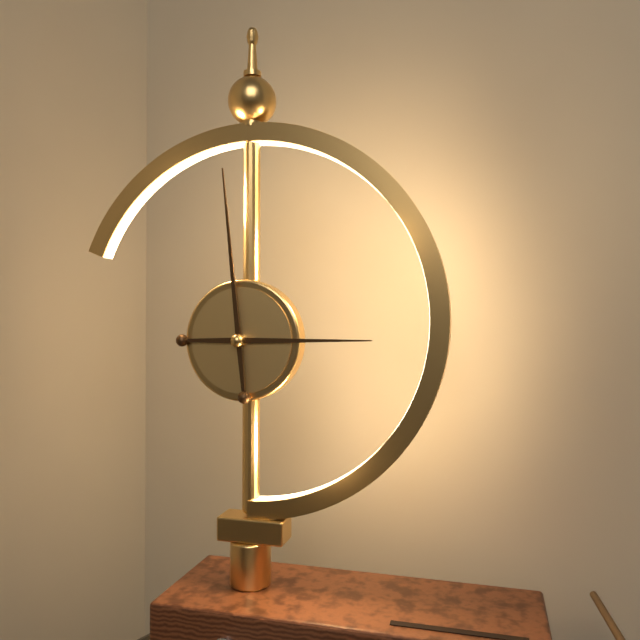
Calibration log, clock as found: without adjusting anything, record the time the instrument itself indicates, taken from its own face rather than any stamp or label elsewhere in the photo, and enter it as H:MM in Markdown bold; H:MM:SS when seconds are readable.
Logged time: **2:59**
